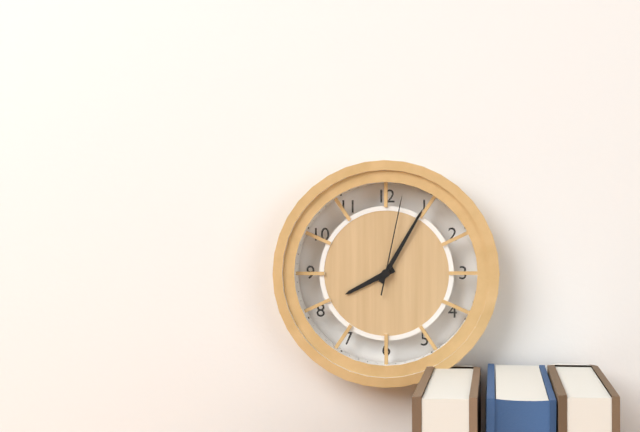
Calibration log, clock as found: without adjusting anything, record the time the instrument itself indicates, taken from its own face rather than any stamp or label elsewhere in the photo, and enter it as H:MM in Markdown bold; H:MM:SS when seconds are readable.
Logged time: **8:05:02**
